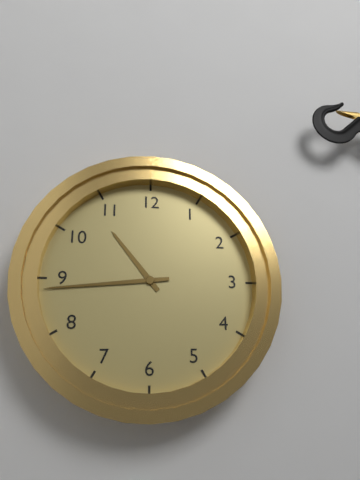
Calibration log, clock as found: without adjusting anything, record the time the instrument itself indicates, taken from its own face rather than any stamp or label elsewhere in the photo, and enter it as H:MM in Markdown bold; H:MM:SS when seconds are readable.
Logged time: **10:44**
